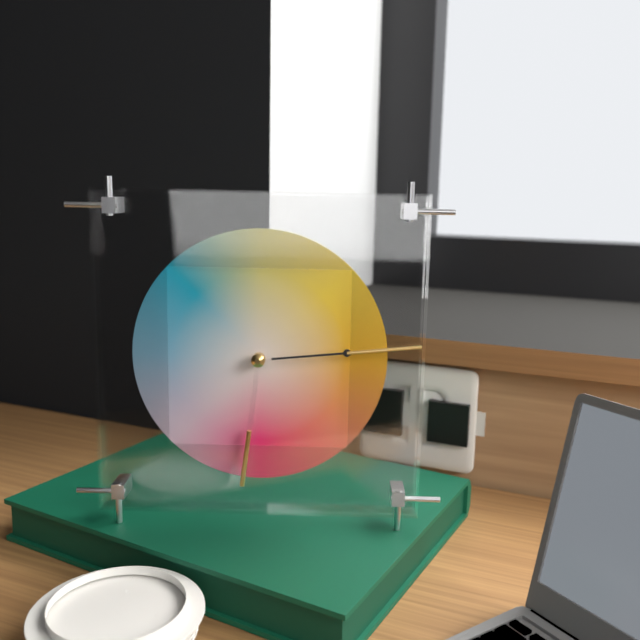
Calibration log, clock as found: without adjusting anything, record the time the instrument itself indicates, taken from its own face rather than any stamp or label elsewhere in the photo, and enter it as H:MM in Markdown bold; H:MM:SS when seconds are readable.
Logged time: **6:14**
